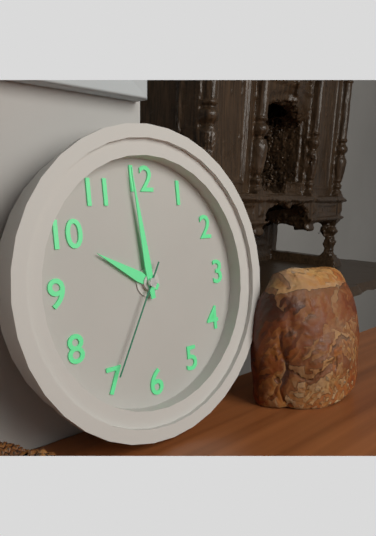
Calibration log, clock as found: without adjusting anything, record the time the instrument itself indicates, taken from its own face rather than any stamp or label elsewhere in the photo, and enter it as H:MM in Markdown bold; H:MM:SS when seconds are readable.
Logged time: **9:59:35**
